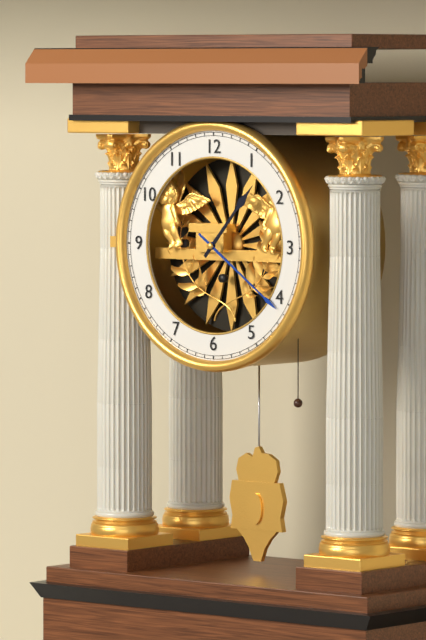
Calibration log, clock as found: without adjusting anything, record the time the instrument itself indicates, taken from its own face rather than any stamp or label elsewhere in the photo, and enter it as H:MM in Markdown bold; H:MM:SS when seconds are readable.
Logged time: **1:21**
